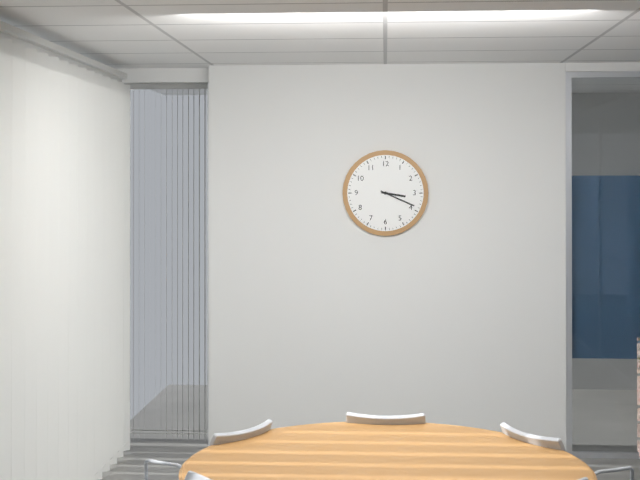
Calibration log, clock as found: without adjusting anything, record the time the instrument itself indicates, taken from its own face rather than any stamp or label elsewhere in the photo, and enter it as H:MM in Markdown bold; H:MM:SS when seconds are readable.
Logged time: **3:19**
